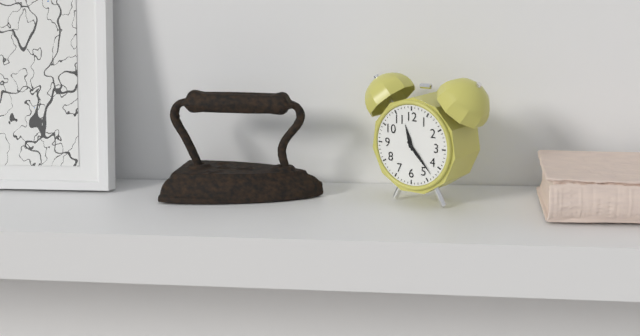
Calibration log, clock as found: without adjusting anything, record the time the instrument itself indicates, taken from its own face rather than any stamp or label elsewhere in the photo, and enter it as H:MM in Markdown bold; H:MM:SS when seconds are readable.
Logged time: **11:23**
